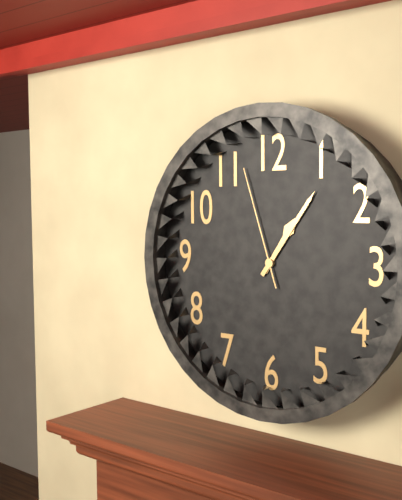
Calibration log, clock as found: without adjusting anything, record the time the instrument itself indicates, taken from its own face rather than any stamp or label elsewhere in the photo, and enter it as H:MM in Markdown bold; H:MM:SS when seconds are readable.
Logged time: **1:06:57**
